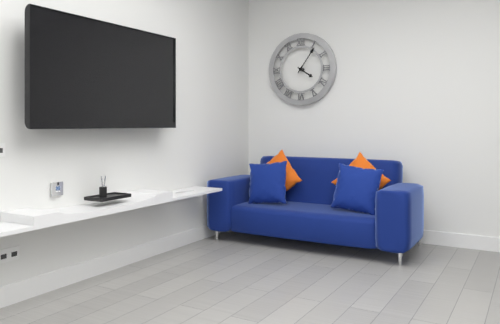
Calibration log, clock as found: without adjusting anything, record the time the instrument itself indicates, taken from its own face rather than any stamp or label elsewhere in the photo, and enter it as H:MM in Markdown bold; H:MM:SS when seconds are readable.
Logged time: **4:06**
